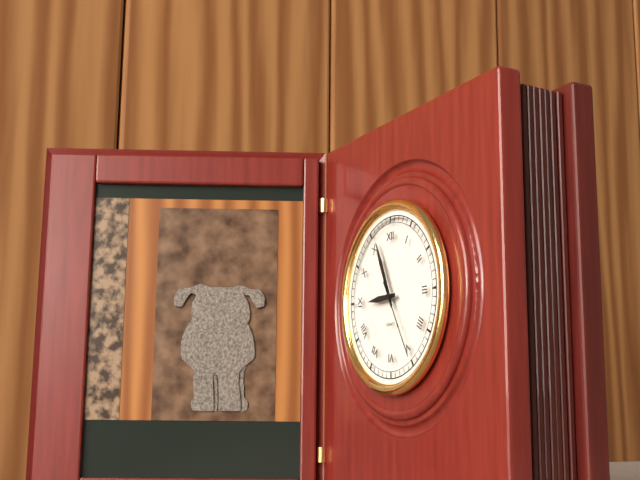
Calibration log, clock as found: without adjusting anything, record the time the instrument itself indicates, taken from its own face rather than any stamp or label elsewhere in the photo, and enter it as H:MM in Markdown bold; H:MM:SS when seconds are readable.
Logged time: **8:56:25**
